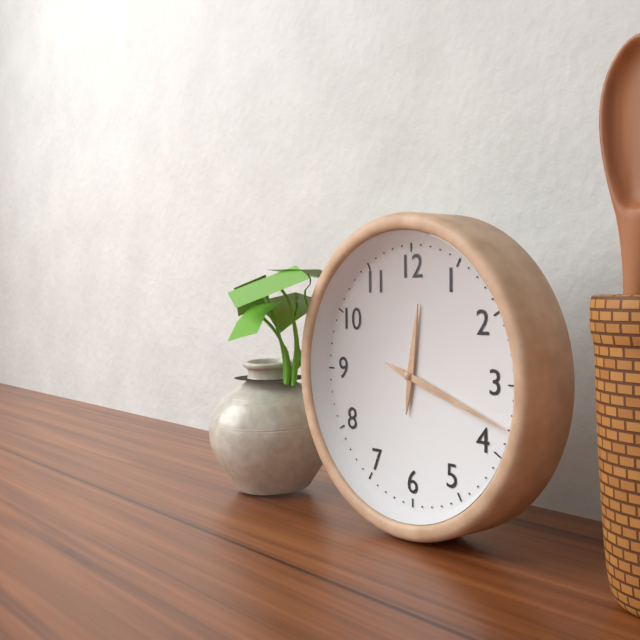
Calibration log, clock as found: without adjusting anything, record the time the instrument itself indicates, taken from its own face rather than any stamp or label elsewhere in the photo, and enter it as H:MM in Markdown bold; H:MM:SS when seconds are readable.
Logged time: **12:18**
